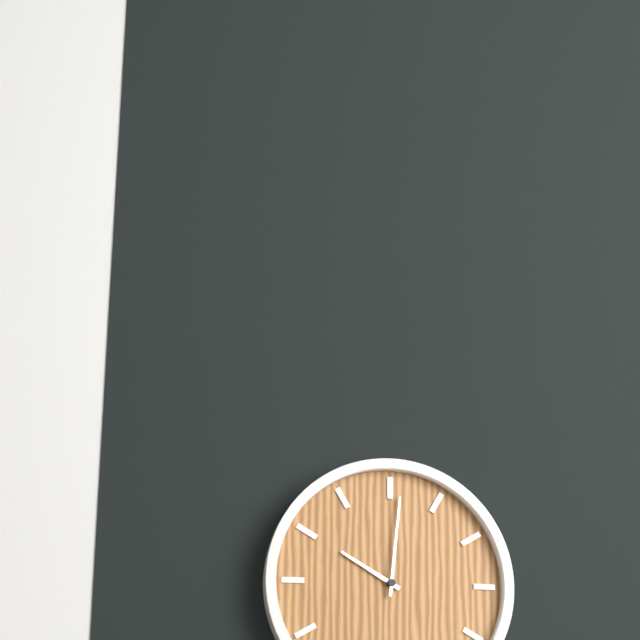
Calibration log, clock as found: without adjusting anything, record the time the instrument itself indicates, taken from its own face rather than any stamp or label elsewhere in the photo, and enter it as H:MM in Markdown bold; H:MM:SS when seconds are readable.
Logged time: **10:01**
